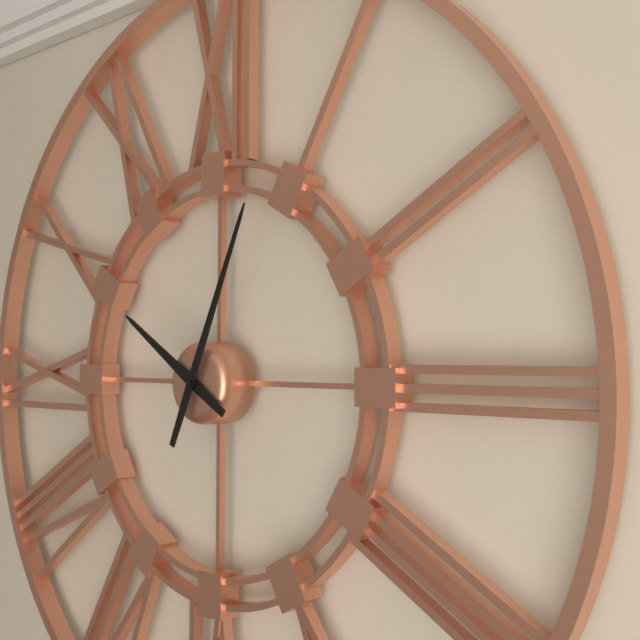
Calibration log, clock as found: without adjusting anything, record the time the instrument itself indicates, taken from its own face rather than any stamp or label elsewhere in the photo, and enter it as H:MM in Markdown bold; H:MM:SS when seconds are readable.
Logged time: **10:04**
